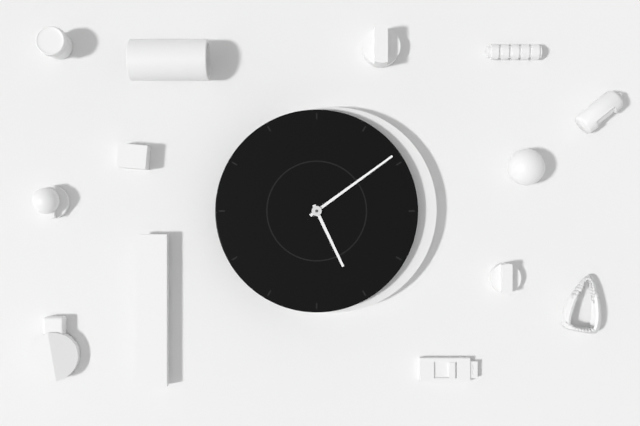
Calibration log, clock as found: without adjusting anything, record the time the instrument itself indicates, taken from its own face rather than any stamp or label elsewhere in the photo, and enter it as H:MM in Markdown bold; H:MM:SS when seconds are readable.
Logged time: **5:09**
